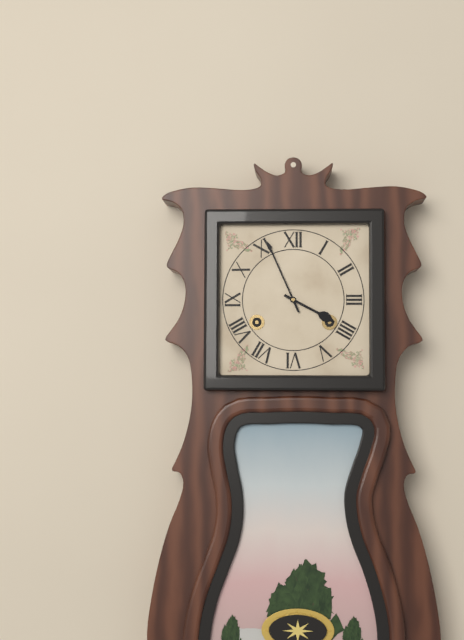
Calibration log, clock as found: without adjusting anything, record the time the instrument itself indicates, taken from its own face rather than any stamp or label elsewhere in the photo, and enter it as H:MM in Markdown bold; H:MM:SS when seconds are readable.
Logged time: **3:56**
